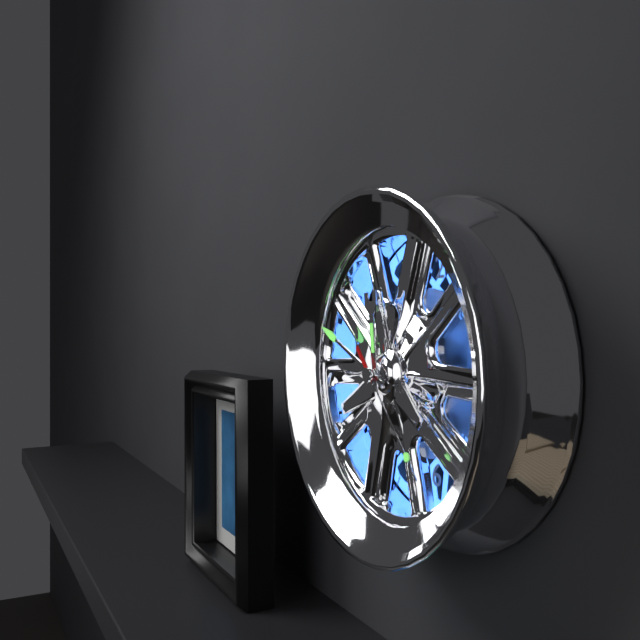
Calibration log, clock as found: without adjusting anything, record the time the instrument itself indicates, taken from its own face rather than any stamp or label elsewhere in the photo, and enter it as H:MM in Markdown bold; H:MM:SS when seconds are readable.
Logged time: **11:49:23**
